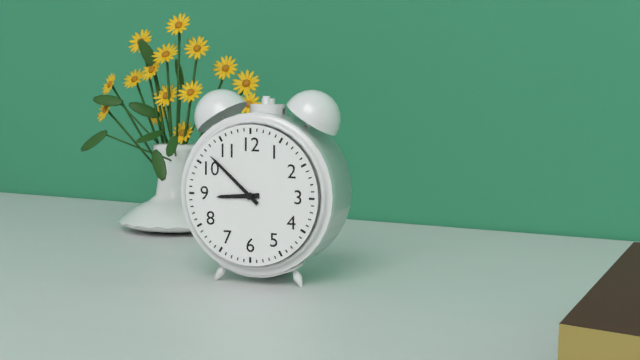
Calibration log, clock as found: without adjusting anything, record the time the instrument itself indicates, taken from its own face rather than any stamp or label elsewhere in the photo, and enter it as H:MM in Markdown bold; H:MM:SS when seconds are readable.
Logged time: **8:52**
